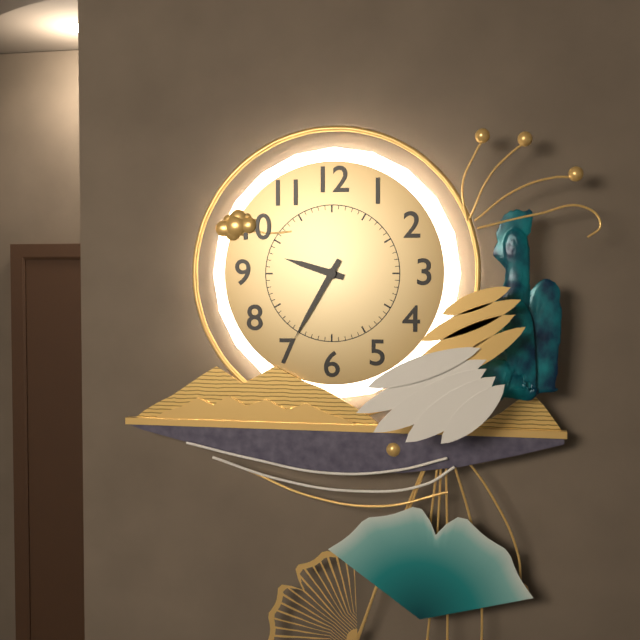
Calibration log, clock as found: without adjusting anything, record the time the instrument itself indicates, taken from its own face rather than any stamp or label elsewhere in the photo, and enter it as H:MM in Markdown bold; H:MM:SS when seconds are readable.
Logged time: **9:35**
